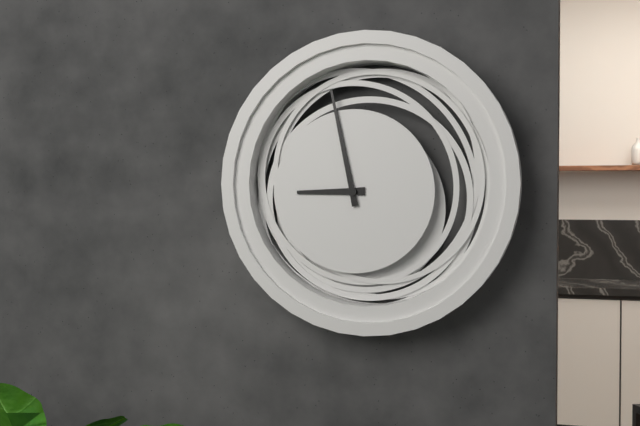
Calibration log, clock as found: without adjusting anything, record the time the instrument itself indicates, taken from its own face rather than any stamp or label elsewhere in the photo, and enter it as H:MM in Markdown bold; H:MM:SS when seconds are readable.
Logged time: **8:58**
